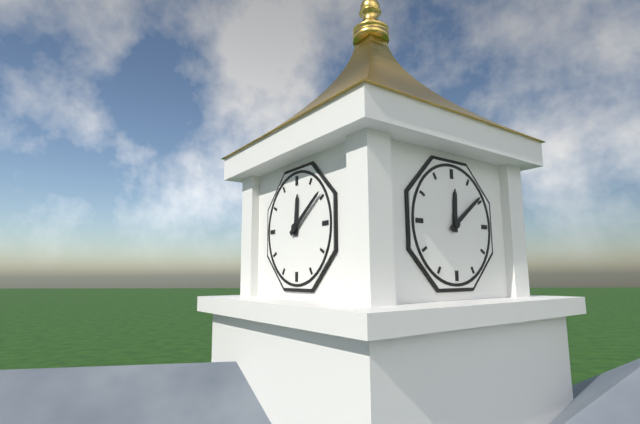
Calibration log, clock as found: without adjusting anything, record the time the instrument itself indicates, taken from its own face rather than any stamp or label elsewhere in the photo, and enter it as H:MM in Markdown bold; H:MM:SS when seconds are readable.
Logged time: **12:09**
